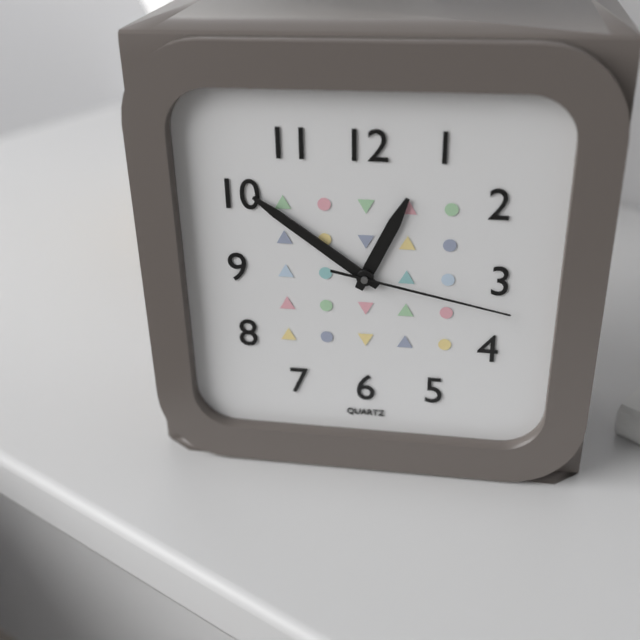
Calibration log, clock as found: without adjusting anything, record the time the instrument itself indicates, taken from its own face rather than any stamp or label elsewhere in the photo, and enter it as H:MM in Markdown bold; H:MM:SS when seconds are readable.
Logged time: **12:51:17**
